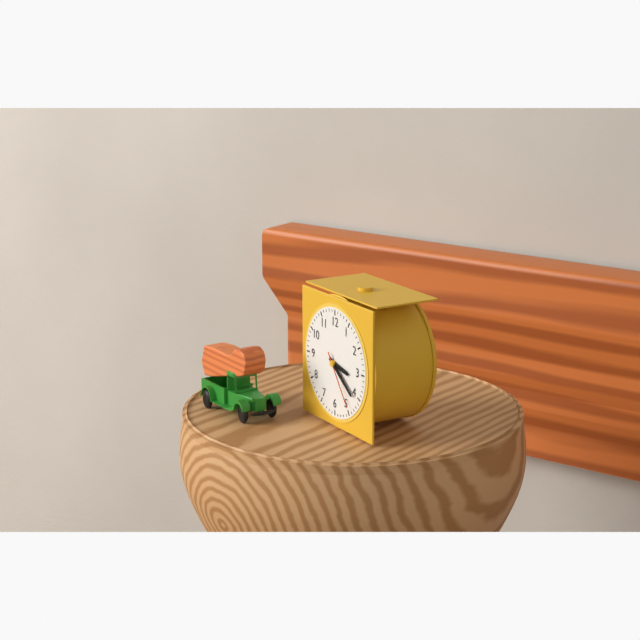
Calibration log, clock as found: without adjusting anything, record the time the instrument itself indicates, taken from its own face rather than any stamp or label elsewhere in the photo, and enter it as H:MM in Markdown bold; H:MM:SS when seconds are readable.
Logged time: **3:21:24**
